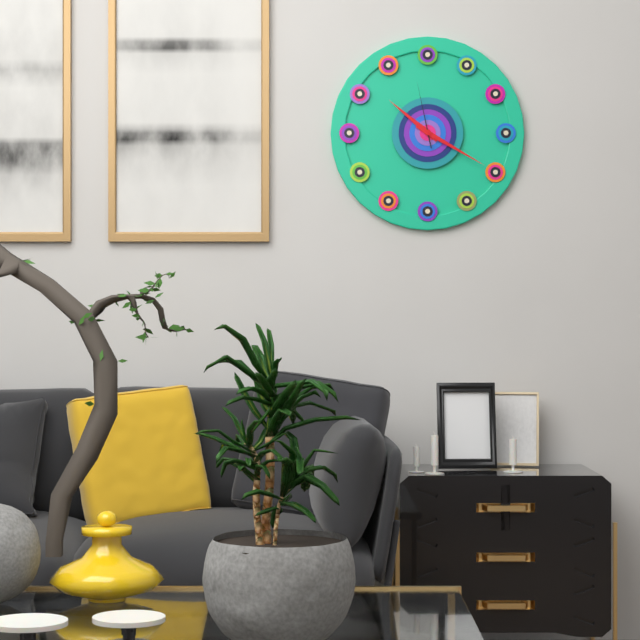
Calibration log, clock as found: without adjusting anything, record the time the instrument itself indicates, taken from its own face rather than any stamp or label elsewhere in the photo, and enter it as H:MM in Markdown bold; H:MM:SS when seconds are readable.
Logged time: **10:20:58**
